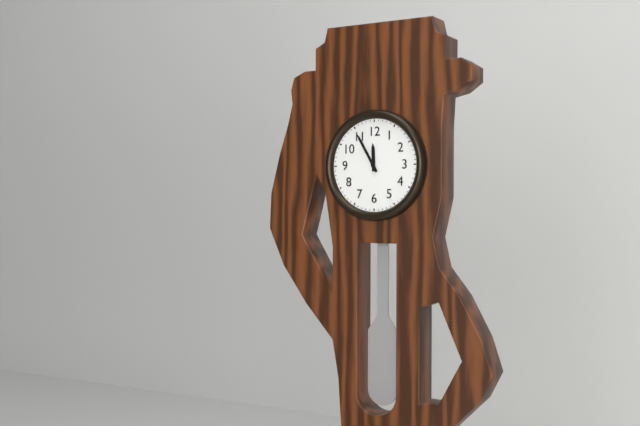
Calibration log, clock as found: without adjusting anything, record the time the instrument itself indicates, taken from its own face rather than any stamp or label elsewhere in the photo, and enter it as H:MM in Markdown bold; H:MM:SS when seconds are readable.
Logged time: **11:55**
